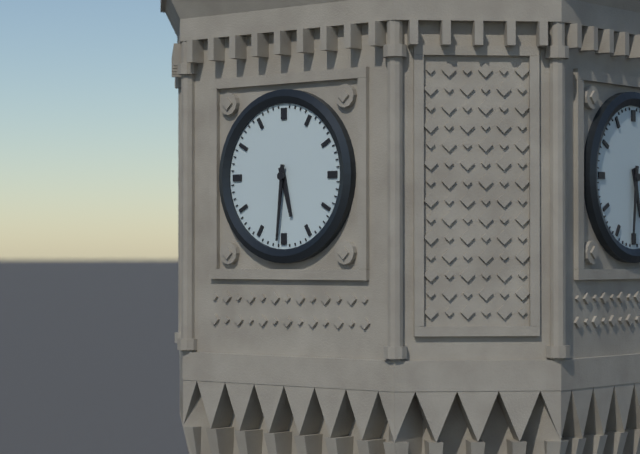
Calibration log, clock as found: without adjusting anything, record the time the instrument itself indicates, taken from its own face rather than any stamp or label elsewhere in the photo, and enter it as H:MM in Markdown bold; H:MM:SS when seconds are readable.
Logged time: **5:31**
